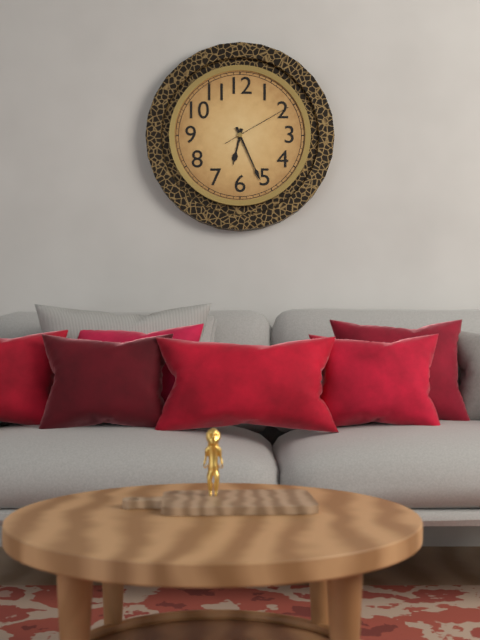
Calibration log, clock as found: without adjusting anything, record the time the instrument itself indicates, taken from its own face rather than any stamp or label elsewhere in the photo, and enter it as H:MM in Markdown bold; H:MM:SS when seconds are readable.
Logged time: **6:26:10**
